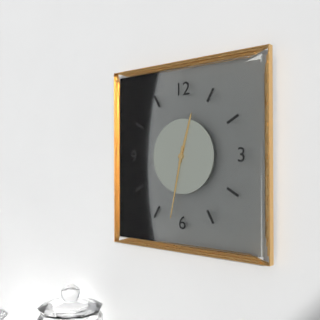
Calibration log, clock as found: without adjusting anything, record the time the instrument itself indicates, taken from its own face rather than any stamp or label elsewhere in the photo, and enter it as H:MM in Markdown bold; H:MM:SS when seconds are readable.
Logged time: **12:32**
